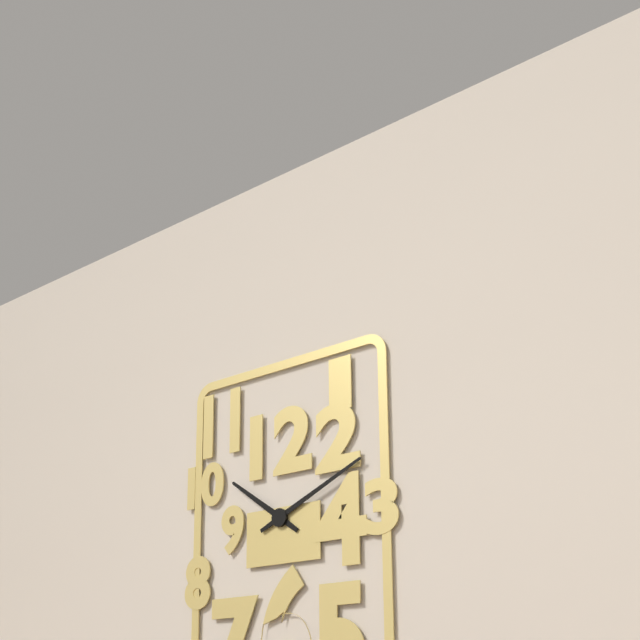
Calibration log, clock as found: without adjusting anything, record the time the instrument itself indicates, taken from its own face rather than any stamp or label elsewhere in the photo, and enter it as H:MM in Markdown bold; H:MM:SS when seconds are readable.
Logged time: **10:11**
